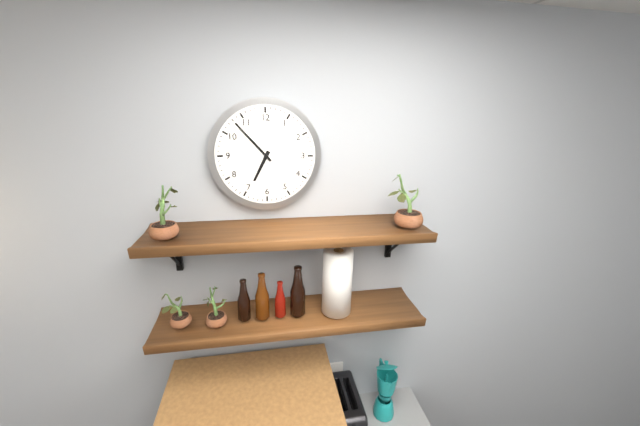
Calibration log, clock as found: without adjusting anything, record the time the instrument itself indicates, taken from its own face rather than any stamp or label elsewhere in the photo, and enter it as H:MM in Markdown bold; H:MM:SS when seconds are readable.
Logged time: **6:53**
